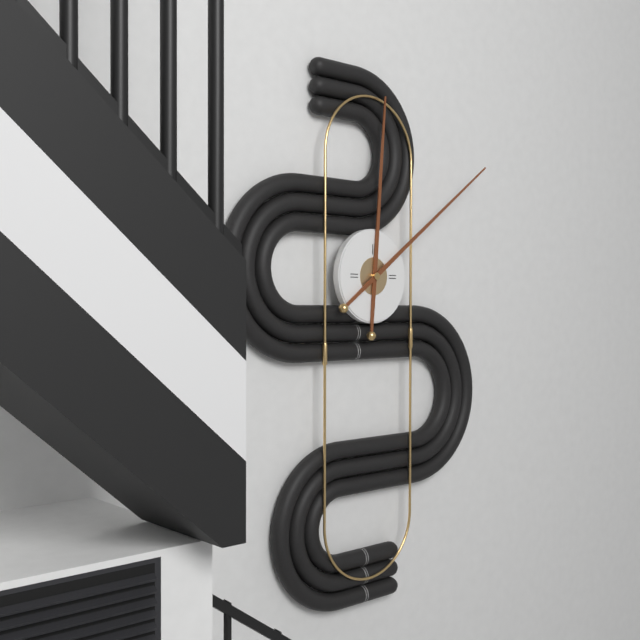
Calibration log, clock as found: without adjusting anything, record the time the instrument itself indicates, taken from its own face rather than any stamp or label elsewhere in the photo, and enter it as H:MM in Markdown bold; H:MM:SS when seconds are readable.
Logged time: **12:09**
